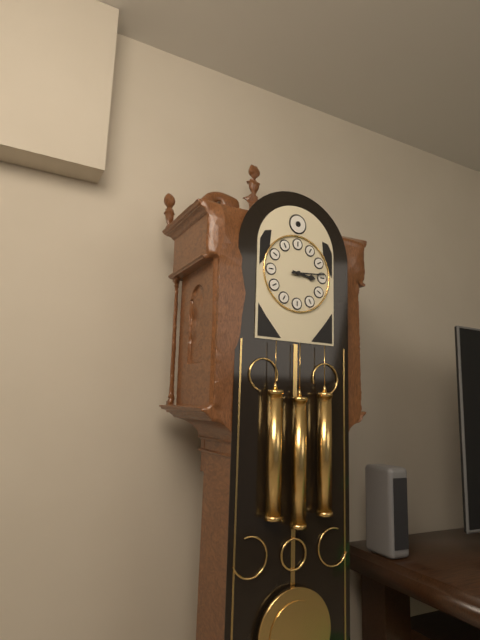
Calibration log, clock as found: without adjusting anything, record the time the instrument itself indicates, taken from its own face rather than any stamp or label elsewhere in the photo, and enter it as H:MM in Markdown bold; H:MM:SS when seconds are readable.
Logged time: **3:14**
